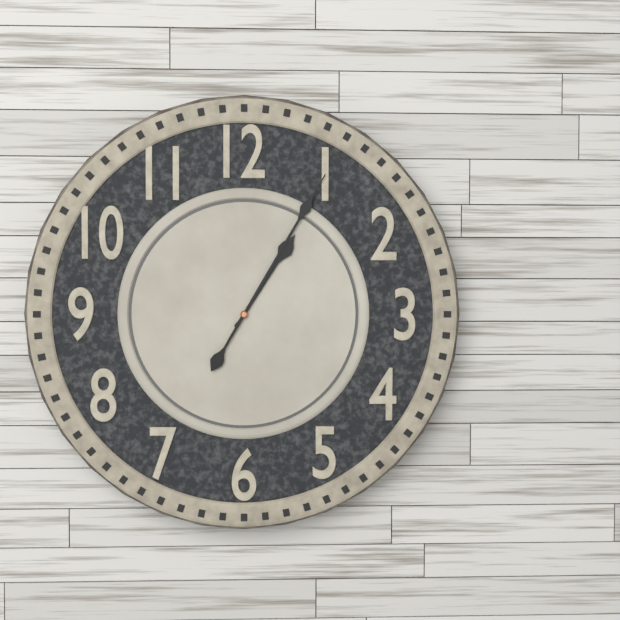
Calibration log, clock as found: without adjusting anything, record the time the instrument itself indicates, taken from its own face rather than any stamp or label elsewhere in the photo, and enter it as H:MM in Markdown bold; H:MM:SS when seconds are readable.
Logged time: **1:05**
